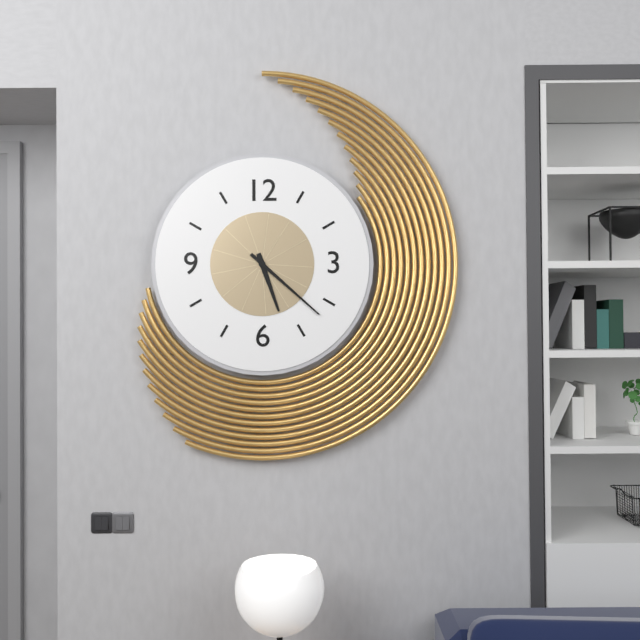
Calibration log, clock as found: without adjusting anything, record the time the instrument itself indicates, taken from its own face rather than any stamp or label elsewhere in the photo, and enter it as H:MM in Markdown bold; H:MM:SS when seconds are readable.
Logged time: **5:22**
